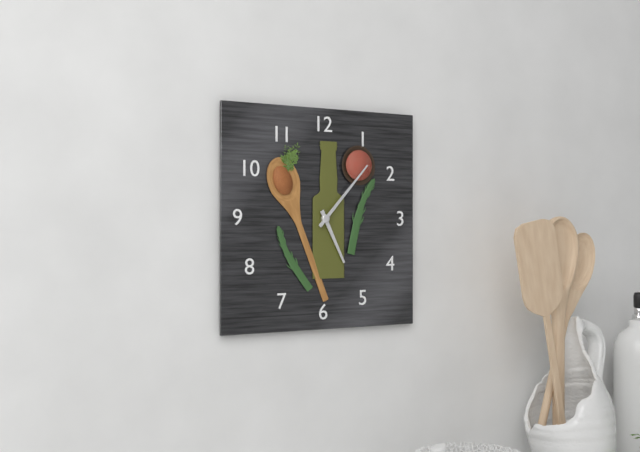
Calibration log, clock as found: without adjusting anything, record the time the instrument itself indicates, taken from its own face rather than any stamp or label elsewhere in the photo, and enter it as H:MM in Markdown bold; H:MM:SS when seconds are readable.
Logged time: **5:07**
